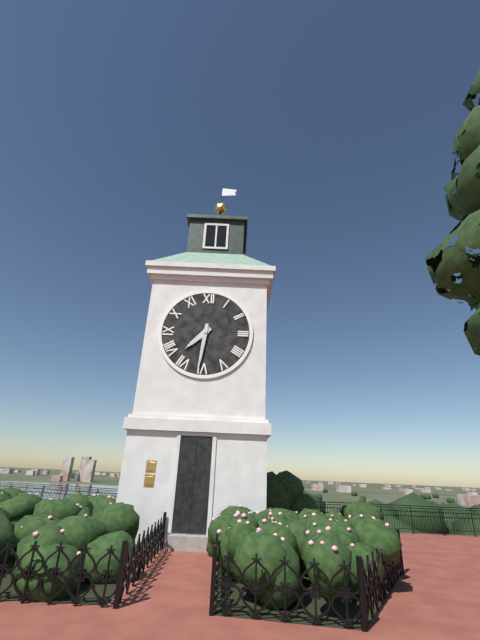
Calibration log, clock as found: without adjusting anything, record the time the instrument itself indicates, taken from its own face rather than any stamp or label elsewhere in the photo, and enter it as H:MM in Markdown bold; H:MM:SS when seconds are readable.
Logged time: **7:31**
